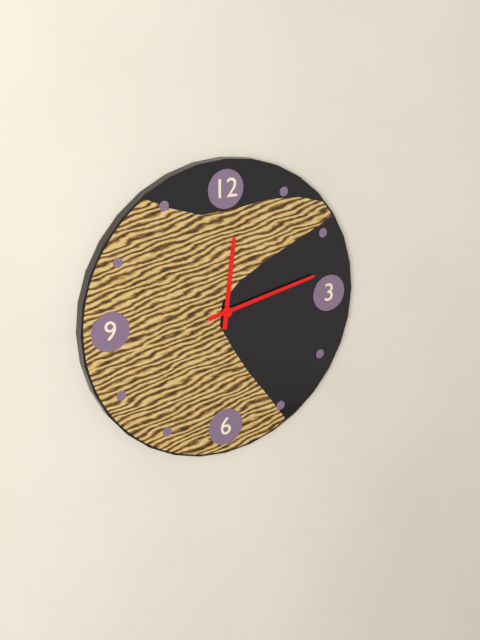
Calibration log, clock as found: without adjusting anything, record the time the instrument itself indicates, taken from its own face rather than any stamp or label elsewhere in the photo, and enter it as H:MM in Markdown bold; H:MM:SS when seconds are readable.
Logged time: **12:13**
